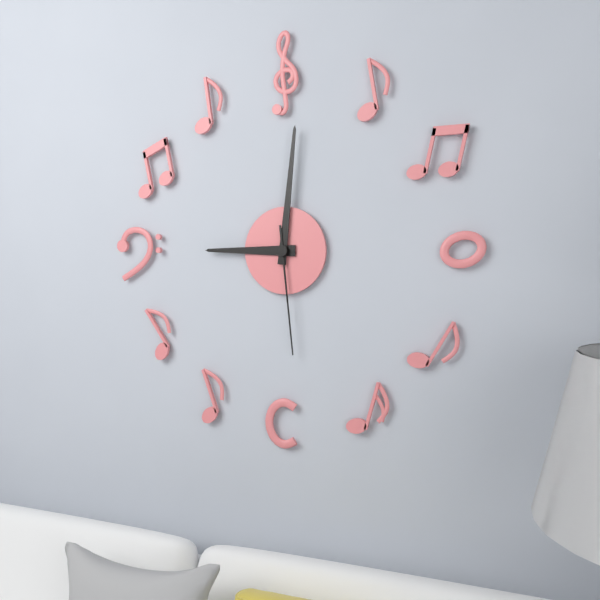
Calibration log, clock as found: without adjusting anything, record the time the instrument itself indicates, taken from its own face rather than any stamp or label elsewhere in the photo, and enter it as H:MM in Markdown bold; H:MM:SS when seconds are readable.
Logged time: **9:01:29**
